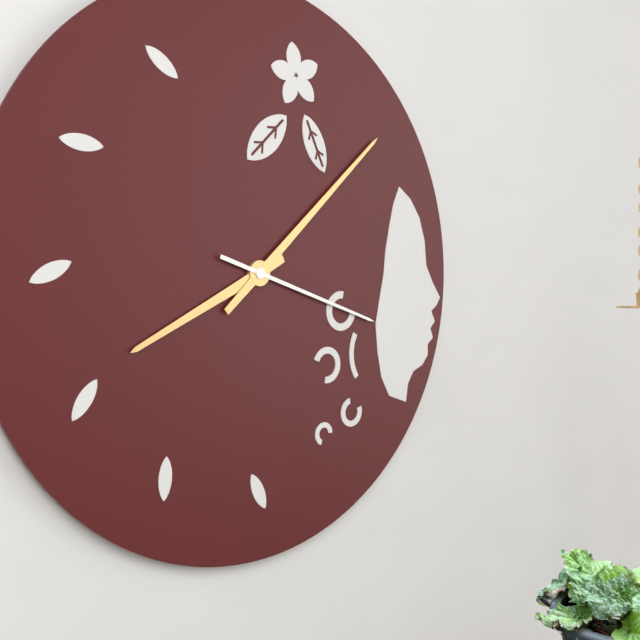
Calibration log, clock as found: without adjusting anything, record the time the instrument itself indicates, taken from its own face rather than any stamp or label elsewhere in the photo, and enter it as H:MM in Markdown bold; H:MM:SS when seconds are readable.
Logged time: **8:08:18**
